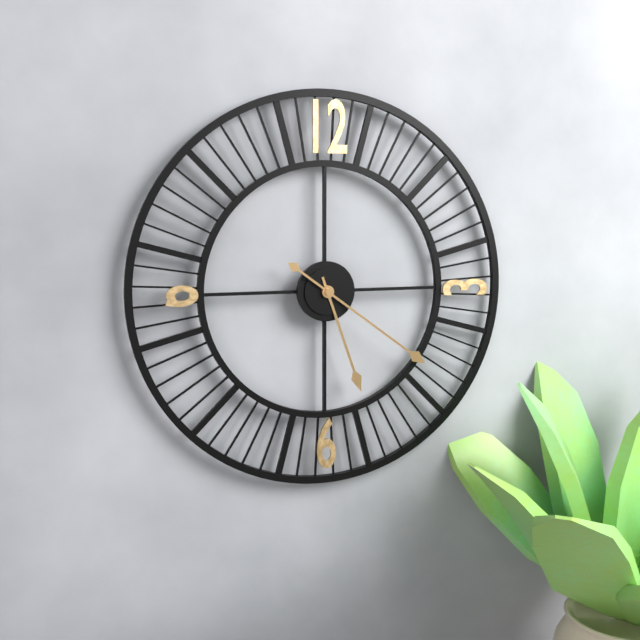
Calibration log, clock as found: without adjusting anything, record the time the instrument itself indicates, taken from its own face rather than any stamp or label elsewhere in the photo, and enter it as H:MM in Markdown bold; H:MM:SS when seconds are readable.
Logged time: **5:21**
